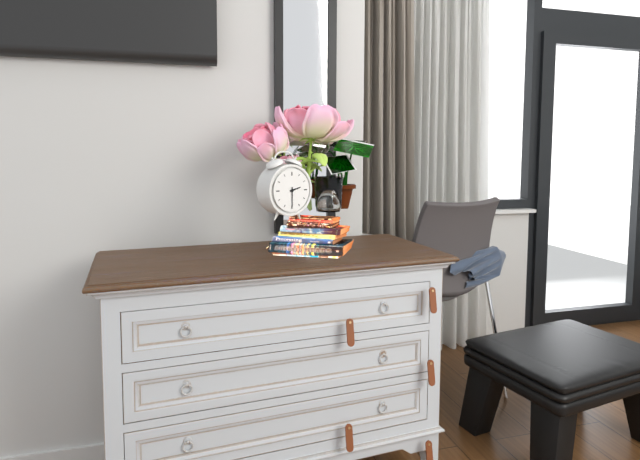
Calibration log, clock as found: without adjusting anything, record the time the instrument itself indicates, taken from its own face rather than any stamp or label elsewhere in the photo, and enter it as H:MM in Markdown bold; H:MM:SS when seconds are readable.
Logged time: **2:30**
